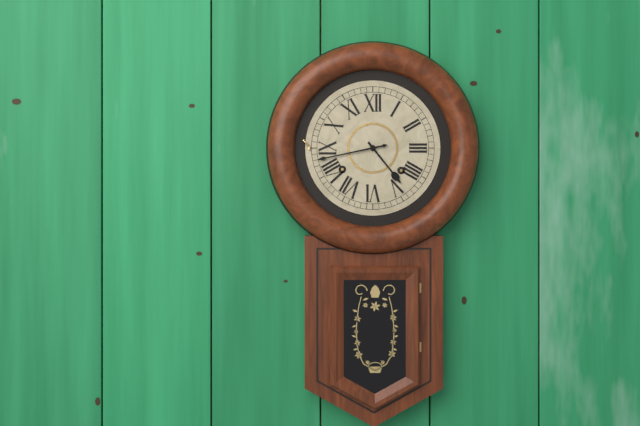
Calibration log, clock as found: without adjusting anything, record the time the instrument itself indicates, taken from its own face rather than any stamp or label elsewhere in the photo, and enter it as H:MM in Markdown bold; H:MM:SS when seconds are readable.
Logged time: **4:43**
